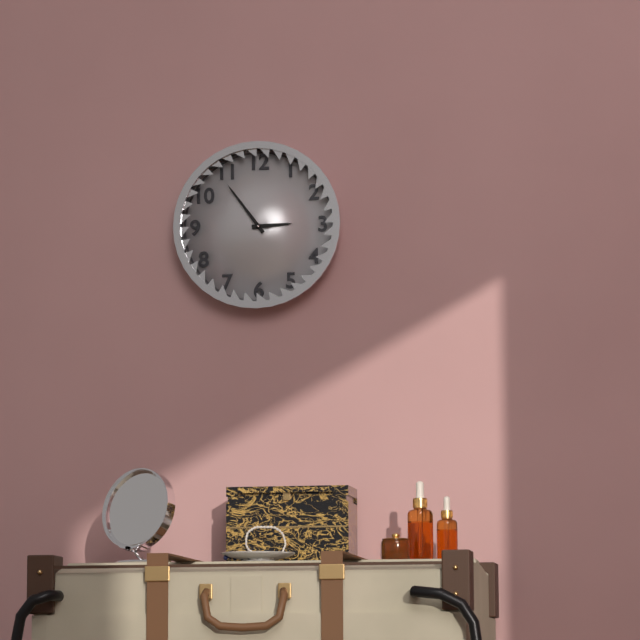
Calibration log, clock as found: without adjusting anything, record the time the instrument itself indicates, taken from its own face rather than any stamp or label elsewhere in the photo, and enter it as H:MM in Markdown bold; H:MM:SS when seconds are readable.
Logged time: **2:54**
